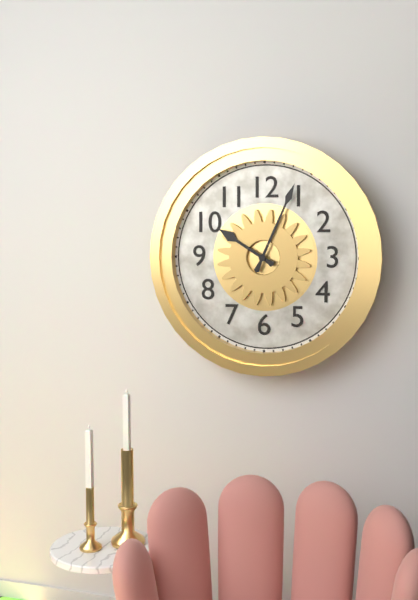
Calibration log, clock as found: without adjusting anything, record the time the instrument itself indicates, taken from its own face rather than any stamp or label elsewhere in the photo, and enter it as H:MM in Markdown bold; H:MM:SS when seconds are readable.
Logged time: **10:04**
